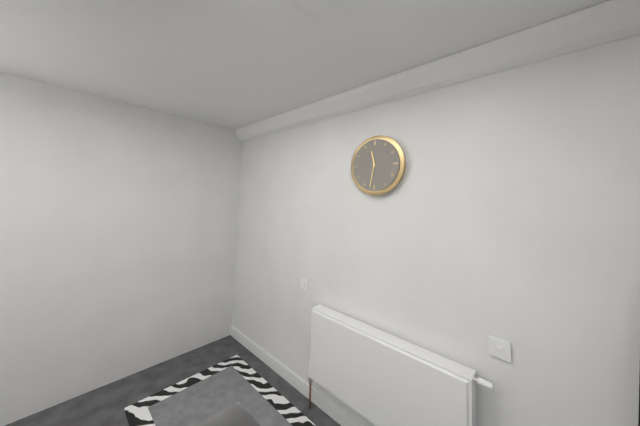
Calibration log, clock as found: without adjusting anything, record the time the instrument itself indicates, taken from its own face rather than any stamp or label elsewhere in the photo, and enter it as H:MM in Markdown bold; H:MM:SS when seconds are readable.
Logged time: **11:32**
